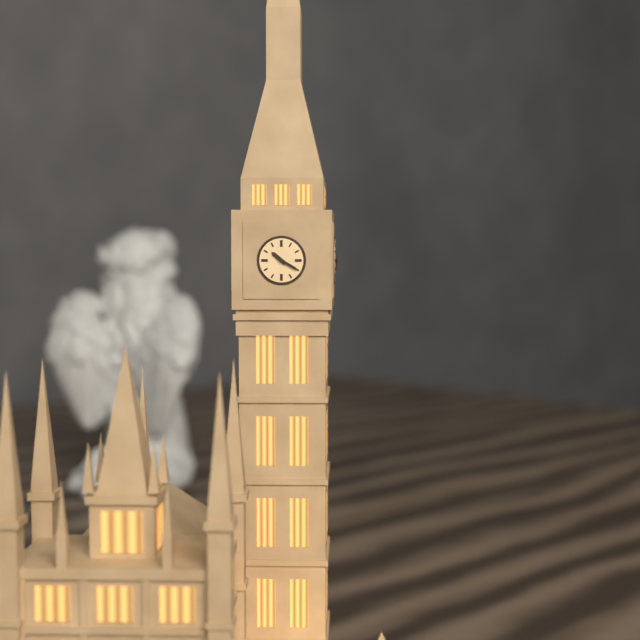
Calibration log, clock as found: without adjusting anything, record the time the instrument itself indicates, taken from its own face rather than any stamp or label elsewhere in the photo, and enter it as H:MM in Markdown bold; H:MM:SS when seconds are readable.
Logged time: **10:20**
